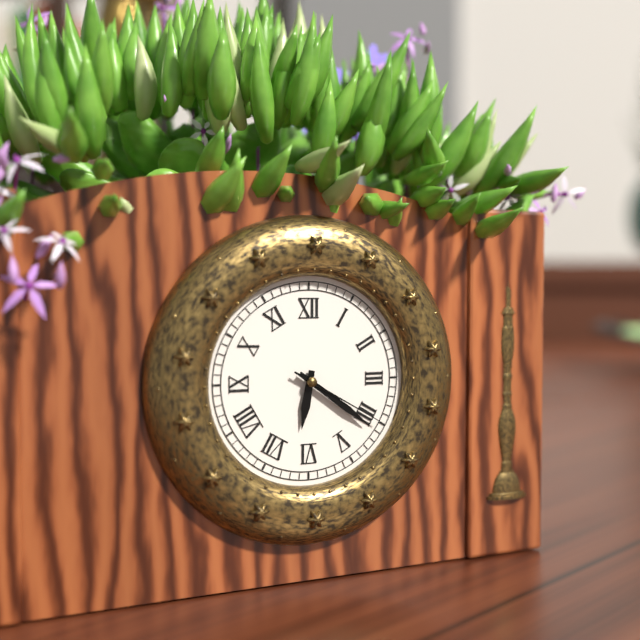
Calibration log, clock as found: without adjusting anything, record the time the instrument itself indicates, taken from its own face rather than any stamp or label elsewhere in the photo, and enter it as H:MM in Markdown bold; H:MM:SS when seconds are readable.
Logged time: **6:21:20**
